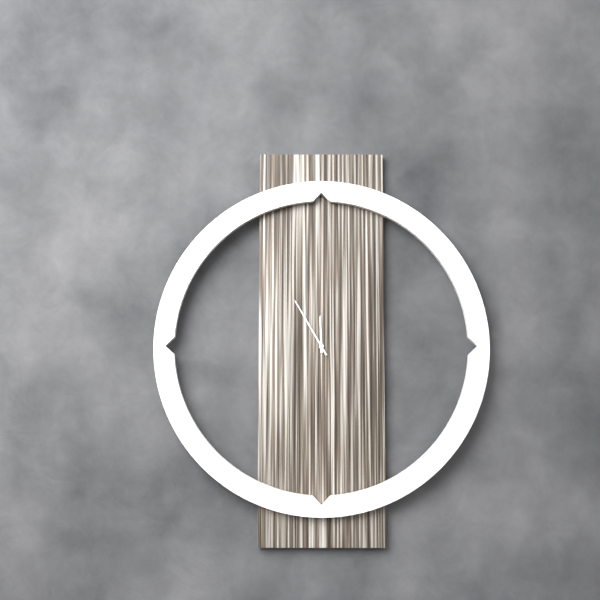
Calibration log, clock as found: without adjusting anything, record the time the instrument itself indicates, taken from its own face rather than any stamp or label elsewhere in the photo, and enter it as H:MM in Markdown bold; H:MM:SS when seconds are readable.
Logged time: **11:55**
